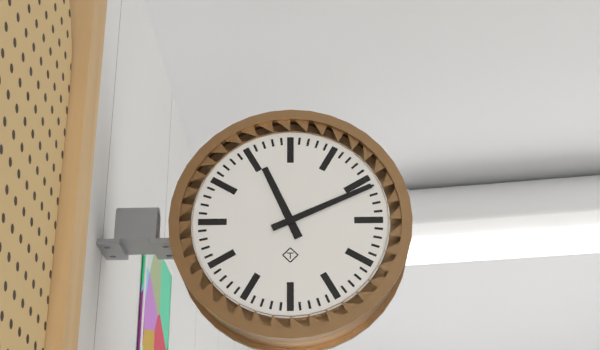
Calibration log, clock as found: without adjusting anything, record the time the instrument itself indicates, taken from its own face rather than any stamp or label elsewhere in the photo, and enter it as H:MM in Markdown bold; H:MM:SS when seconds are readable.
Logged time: **11:11**
